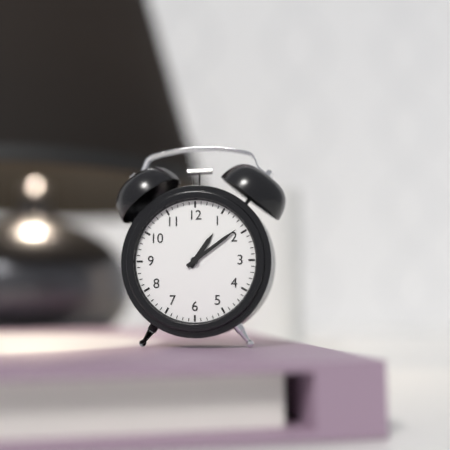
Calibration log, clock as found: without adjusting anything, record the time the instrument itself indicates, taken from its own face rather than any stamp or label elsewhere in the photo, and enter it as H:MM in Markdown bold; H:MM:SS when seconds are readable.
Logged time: **1:09**
